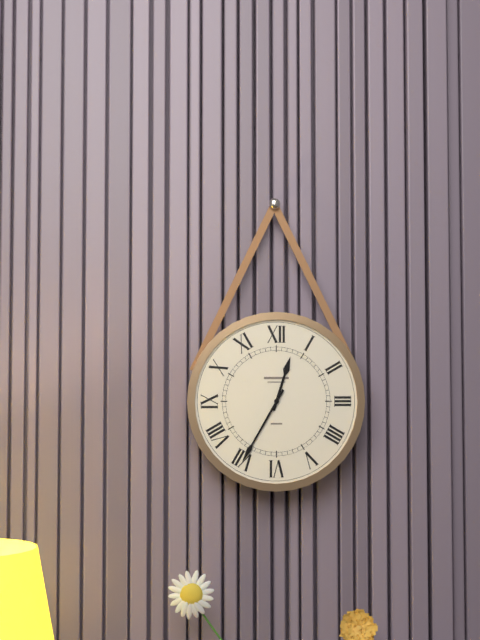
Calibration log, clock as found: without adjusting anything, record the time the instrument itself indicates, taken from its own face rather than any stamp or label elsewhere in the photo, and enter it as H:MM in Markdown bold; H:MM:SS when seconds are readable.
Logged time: **12:35**
